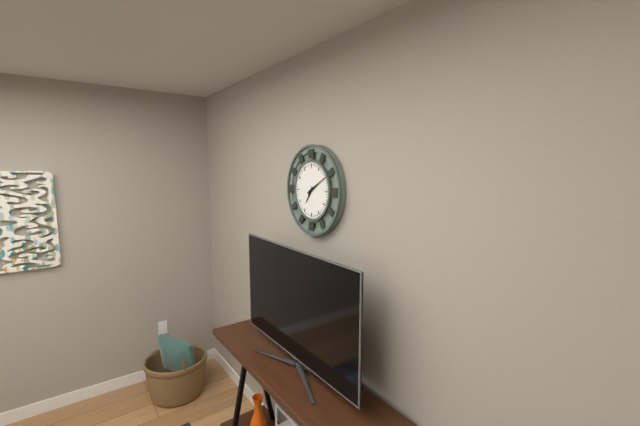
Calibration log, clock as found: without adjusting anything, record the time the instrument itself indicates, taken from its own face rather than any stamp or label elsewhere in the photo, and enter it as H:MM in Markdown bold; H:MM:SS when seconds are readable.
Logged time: **7:10**
